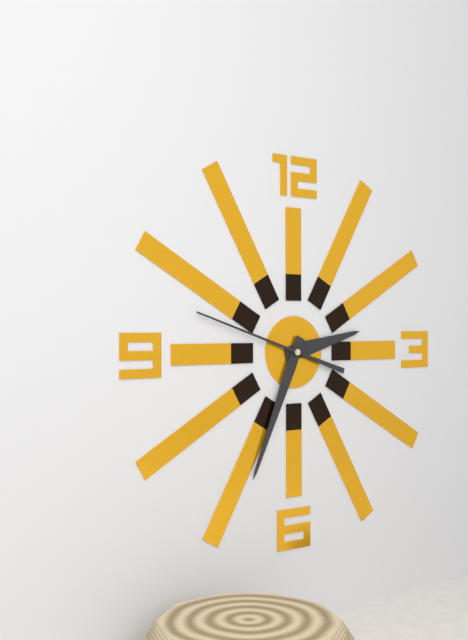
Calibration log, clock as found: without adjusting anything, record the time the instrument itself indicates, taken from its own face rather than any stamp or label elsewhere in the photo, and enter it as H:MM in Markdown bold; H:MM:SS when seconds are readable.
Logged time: **2:34:48**
